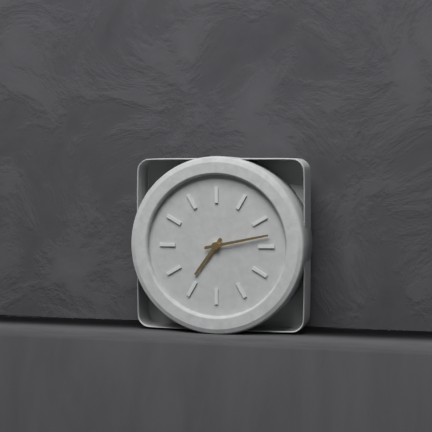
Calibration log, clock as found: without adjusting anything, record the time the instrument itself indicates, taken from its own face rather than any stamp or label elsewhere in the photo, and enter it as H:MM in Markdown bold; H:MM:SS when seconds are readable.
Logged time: **7:13**
